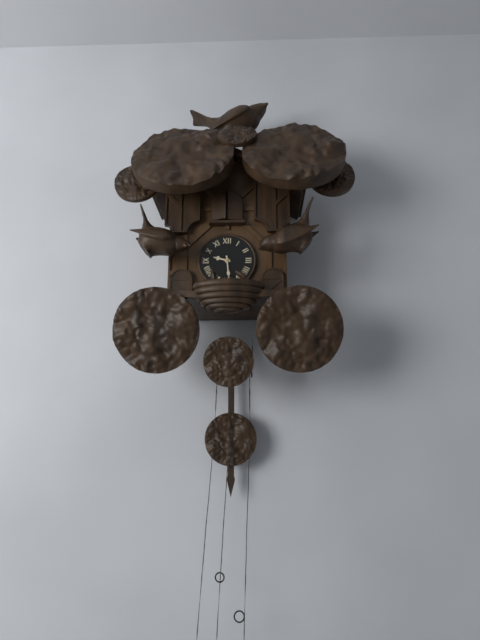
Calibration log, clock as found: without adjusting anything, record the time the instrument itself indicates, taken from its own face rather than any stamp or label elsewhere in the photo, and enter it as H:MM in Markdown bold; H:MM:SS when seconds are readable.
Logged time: **9:29**
